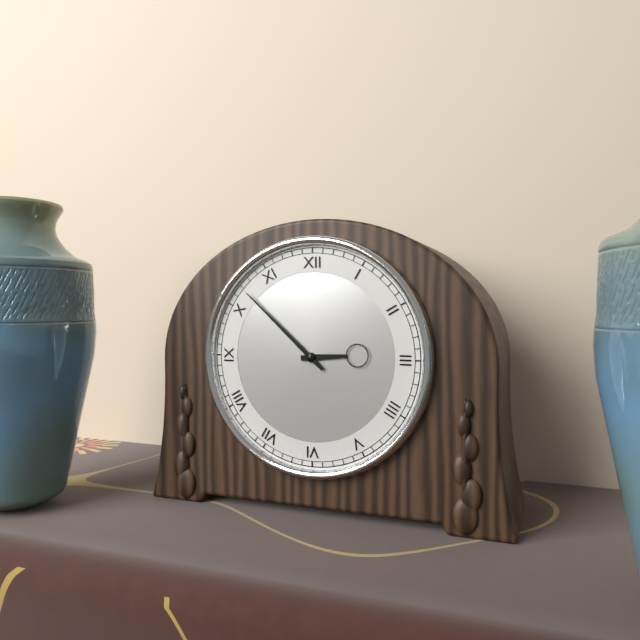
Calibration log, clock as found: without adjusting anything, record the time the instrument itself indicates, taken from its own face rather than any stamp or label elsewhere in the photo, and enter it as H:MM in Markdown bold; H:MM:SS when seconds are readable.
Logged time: **2:52**
